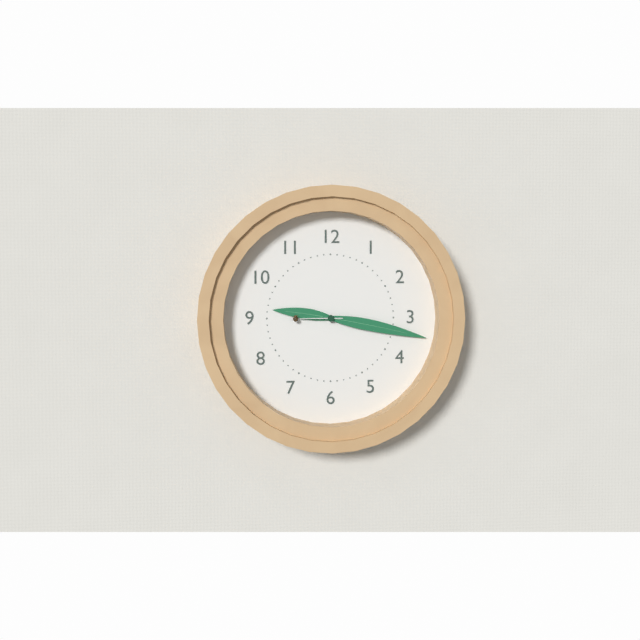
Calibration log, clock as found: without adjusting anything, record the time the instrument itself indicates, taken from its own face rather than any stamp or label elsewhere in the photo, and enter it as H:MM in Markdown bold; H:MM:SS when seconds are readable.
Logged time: **9:17:45**
